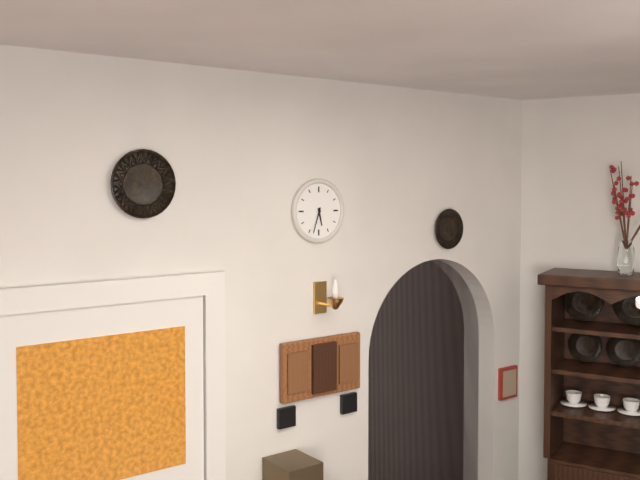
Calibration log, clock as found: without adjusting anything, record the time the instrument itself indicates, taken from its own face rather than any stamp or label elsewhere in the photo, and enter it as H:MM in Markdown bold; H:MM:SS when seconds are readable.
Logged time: **5:33**
